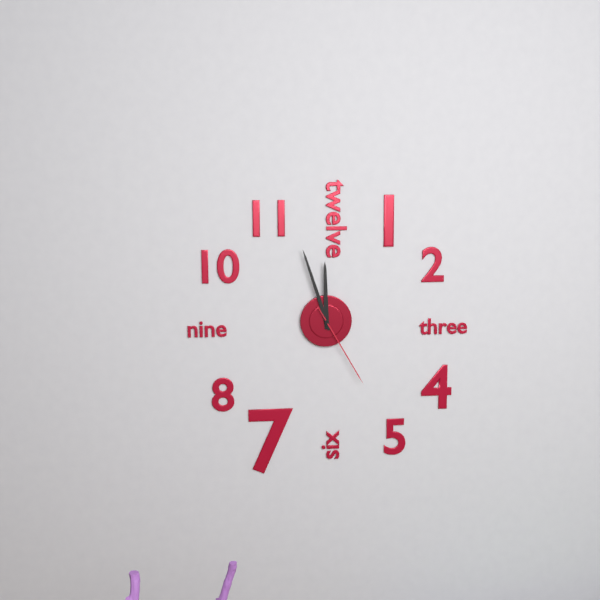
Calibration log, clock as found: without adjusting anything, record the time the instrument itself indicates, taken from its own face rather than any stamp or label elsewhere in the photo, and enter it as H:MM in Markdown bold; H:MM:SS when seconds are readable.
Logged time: **11:57:25**
